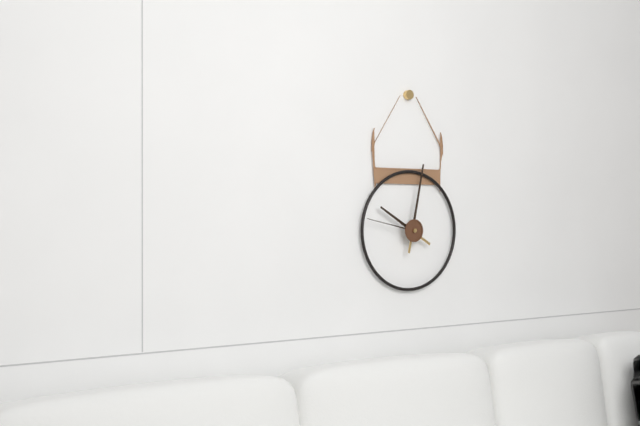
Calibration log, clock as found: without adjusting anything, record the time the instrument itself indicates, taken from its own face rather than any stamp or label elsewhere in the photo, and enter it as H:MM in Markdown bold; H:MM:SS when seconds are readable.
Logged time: **10:02:47**
